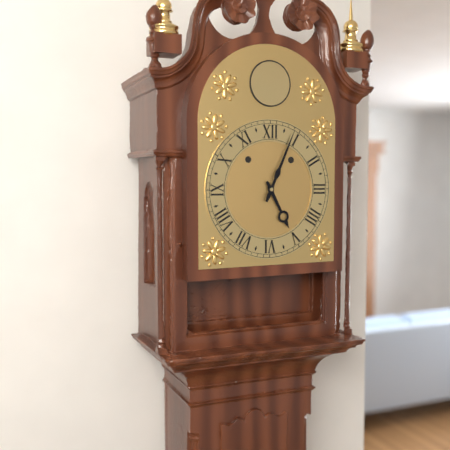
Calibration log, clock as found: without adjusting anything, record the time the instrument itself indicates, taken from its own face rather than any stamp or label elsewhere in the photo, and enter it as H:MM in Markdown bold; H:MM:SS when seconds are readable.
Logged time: **5:04**
